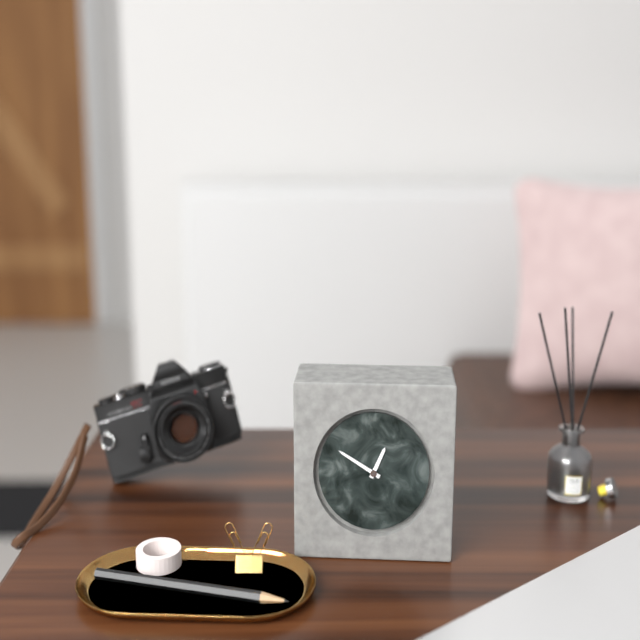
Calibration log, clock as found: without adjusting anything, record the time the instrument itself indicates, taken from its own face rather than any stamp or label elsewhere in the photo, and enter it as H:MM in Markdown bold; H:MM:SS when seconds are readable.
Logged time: **12:50**
